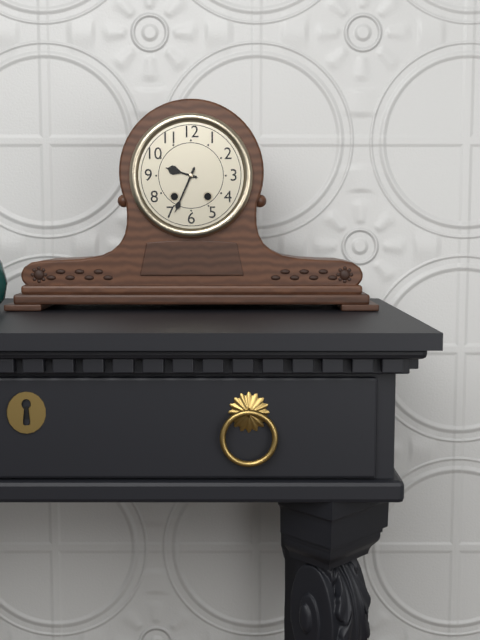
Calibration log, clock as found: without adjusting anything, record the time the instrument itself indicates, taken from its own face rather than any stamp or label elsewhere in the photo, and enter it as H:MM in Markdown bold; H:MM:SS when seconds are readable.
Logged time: **9:34**
